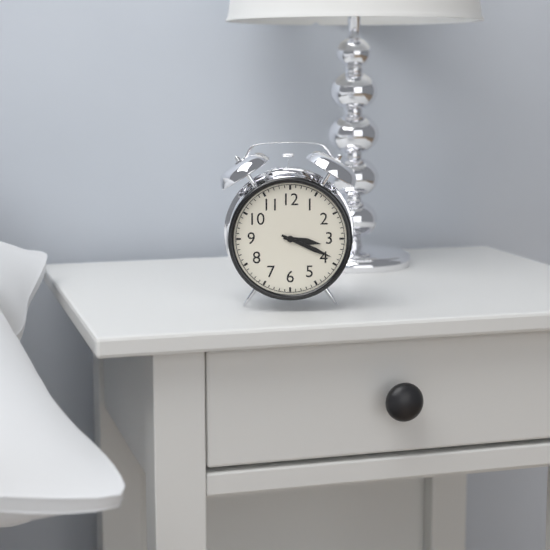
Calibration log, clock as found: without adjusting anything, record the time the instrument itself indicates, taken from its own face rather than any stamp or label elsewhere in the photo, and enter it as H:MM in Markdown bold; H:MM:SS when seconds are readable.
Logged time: **3:19**
